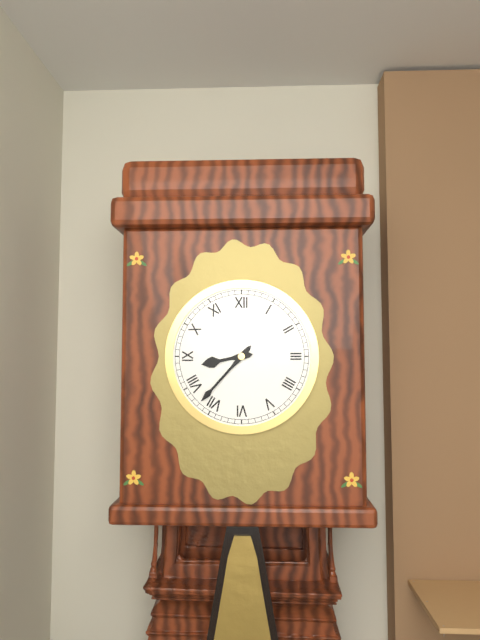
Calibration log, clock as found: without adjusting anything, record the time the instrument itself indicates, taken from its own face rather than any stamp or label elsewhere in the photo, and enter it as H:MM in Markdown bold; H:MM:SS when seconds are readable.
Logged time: **8:37**
